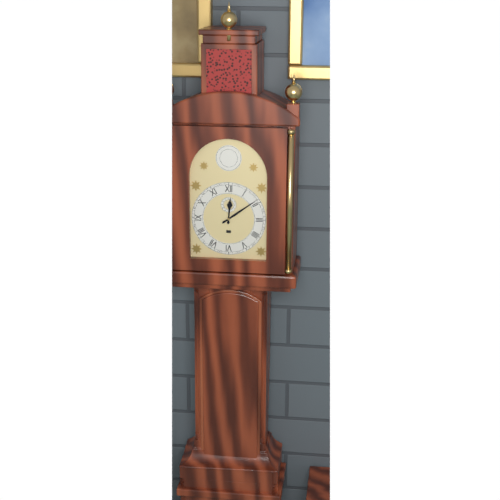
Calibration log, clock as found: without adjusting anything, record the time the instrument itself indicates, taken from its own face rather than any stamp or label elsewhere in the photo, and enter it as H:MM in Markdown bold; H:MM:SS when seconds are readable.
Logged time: **12:09**
